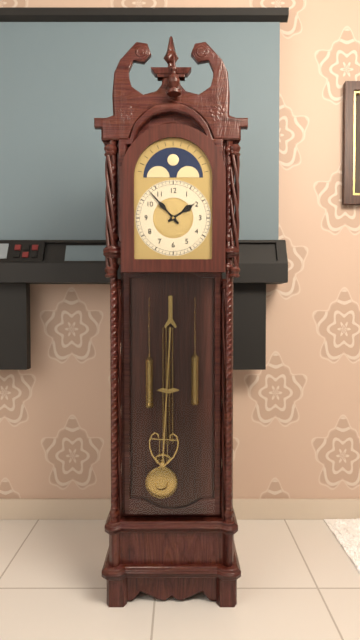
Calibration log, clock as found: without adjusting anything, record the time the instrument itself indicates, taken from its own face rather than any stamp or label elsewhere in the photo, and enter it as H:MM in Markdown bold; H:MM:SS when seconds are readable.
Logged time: **1:53**
